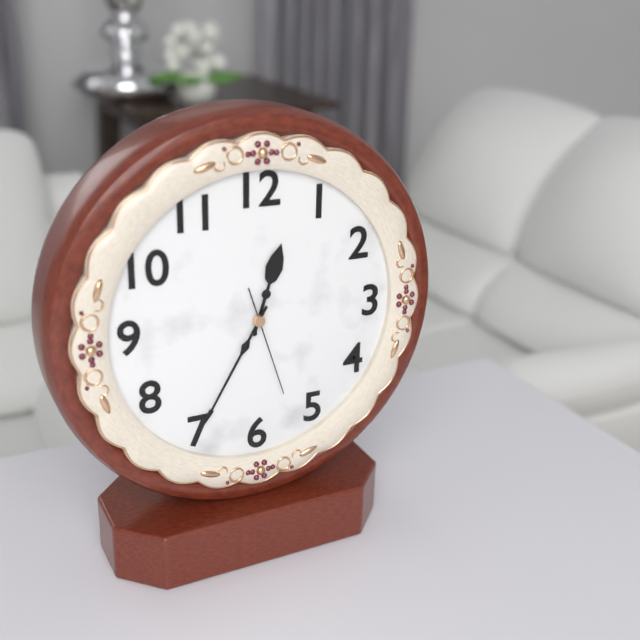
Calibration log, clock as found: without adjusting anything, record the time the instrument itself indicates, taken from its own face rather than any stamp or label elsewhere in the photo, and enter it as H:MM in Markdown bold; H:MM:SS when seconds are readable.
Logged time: **12:35:27**
